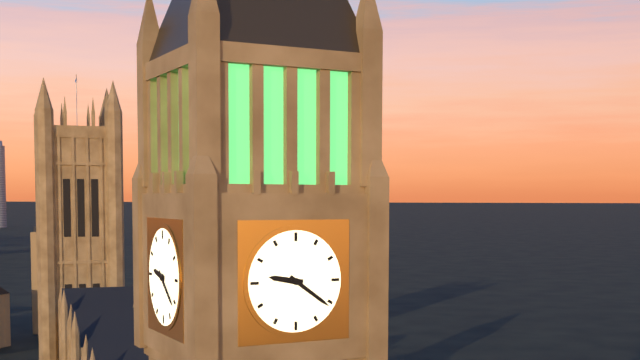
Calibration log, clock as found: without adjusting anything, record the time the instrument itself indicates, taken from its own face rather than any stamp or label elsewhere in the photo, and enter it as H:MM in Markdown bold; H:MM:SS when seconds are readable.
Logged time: **9:21**
